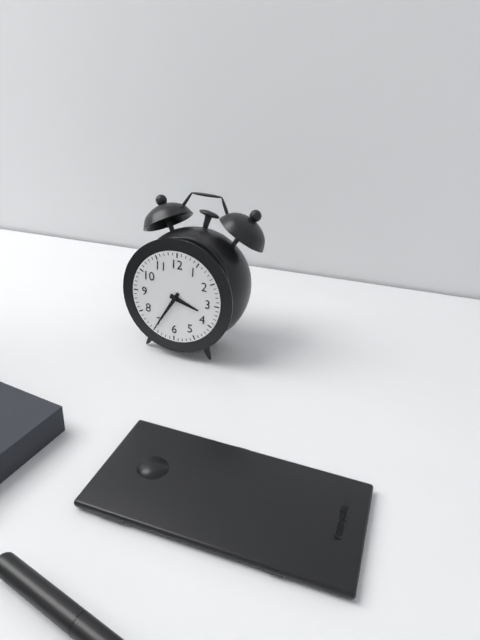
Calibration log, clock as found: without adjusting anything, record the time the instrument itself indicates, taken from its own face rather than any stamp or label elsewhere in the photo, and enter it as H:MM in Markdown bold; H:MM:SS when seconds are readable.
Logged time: **3:35**
